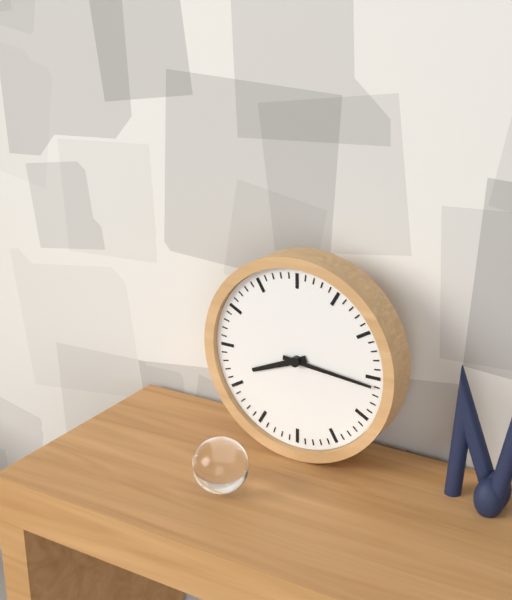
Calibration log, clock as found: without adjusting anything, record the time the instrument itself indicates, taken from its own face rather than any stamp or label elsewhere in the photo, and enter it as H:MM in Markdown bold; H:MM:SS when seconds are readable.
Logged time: **8:16**
